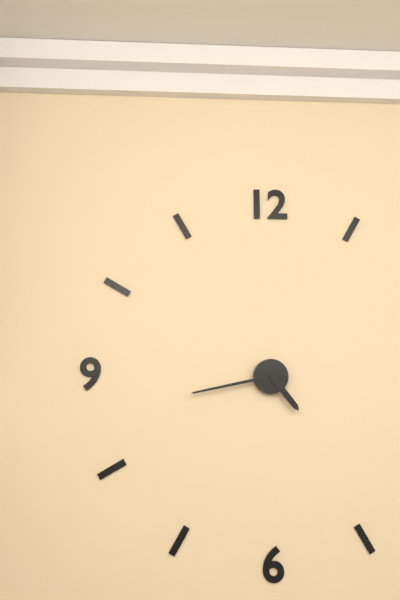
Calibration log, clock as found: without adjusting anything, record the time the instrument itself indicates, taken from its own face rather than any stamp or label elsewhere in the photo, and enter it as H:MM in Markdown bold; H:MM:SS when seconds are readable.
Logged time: **4:43**
